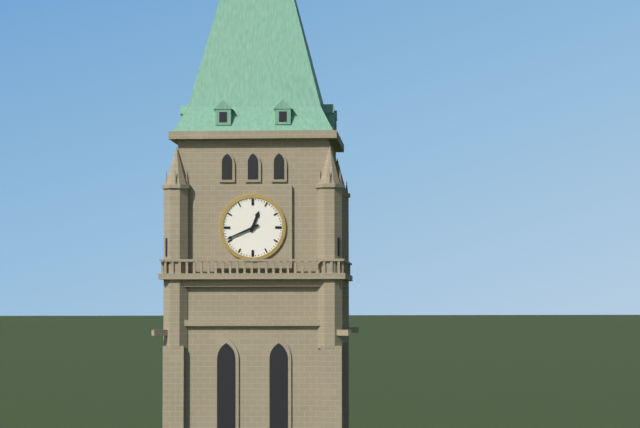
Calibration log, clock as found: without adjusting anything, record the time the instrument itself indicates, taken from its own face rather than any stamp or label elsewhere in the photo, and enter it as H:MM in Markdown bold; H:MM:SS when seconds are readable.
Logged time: **12:41**
